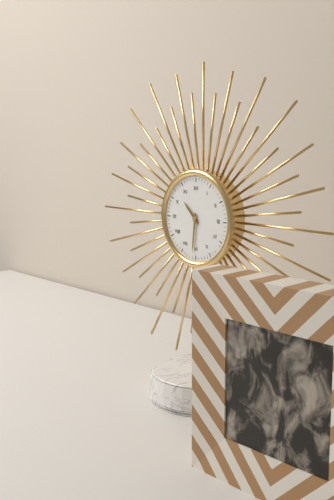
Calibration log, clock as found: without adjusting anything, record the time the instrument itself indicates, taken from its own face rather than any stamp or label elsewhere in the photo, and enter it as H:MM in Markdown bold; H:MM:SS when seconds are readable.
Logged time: **10:31**
